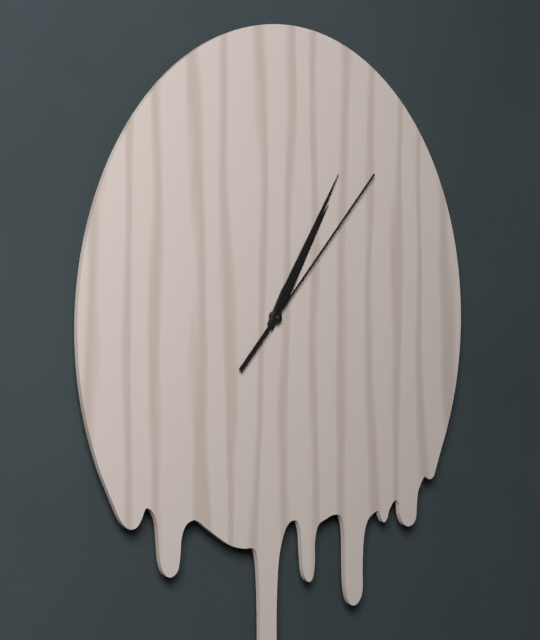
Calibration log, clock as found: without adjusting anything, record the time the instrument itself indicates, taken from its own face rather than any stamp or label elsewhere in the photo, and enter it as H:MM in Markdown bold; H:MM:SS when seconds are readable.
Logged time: **1:05:07**
